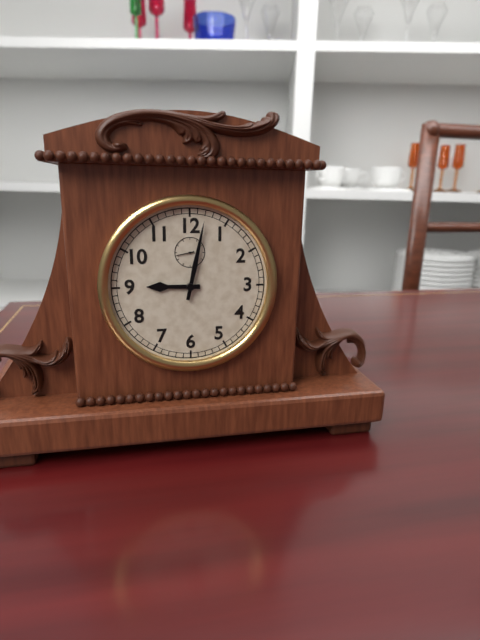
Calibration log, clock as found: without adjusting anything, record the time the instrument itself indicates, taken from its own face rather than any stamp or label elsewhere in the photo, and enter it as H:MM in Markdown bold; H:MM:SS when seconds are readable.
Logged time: **9:02**
